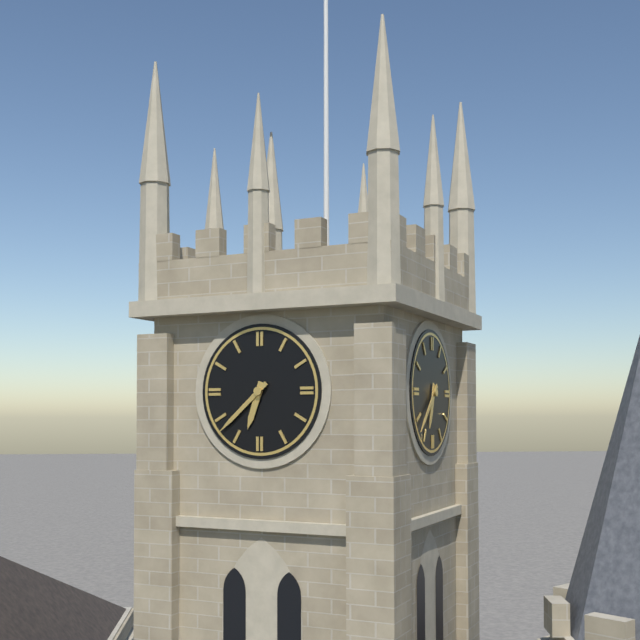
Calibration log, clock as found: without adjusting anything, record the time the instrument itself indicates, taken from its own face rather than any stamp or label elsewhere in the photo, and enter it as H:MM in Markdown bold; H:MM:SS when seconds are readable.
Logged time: **6:38**
